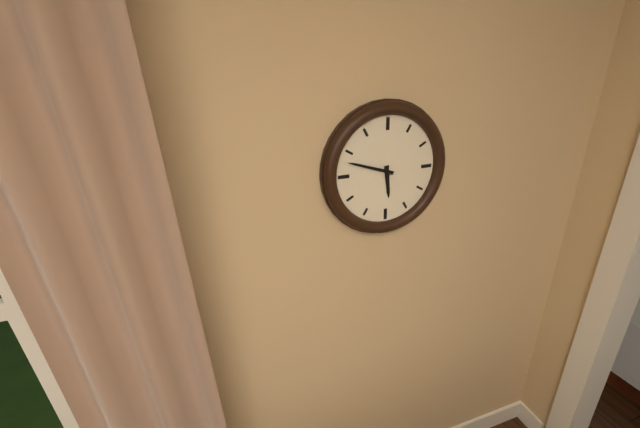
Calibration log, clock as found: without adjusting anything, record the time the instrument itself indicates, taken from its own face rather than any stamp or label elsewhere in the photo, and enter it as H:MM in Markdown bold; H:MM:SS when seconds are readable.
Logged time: **5:48**
